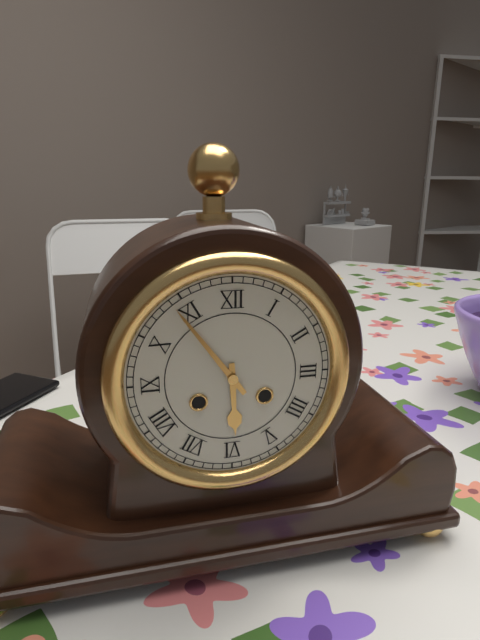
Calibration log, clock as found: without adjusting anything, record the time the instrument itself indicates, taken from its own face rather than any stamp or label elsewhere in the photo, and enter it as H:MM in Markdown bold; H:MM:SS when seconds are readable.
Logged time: **5:54**
